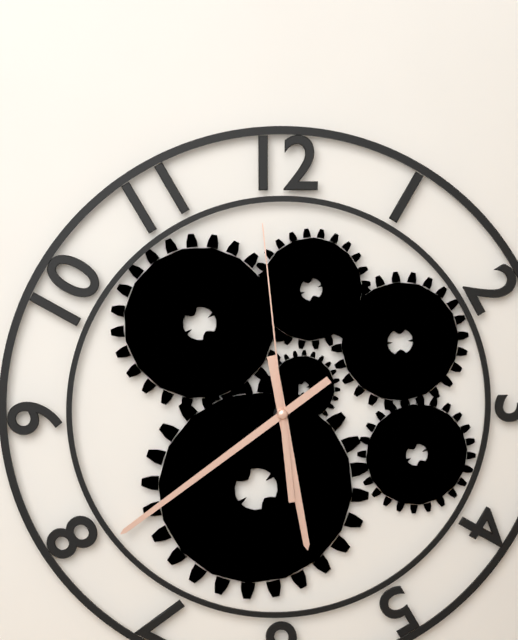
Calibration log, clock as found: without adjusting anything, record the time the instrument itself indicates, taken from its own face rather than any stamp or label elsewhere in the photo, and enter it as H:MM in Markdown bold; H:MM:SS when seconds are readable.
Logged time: **5:39:59**
